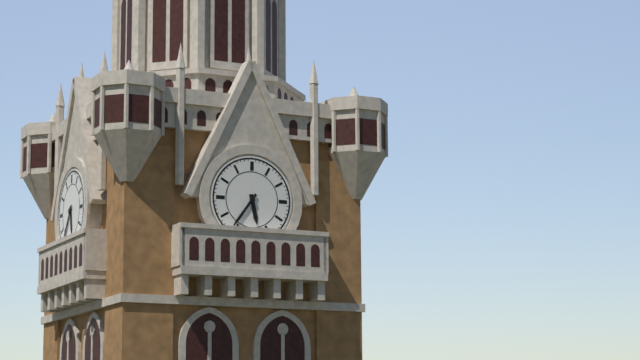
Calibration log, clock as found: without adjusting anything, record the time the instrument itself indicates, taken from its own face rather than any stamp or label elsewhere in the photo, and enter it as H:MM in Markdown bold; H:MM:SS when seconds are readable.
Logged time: **5:36**
